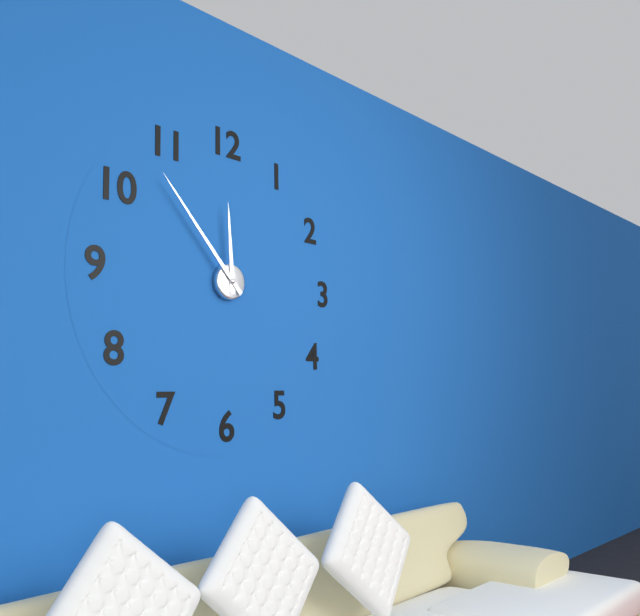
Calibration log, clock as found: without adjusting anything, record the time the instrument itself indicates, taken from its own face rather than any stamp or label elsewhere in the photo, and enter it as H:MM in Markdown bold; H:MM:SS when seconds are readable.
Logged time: **11:53**
